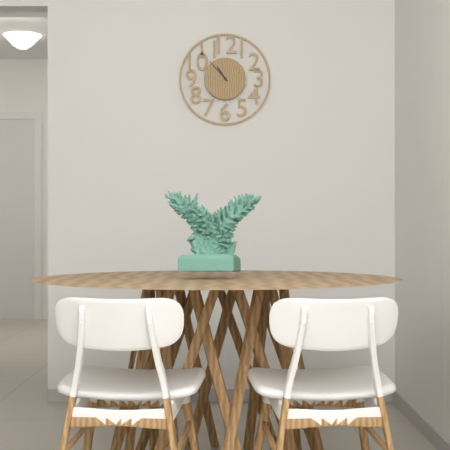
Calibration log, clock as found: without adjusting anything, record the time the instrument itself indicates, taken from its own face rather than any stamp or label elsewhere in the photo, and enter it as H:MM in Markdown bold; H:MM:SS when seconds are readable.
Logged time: **10:53**
